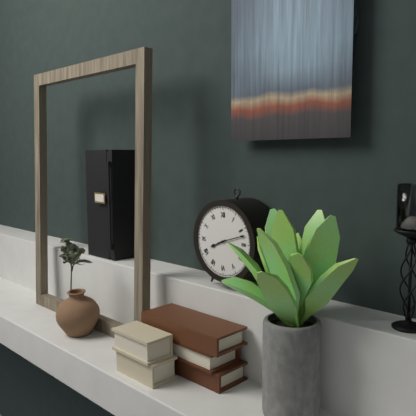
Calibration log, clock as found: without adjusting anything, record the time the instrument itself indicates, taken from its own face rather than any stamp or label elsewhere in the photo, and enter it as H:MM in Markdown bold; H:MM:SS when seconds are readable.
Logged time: **8:12**
